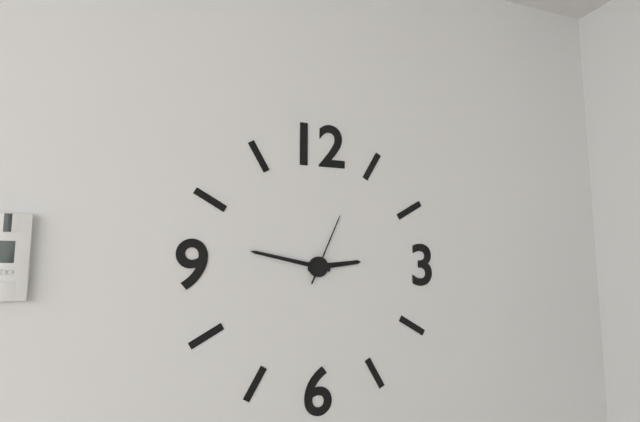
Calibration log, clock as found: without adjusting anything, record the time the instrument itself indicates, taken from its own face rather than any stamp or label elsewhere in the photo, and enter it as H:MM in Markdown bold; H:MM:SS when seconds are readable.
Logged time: **2:47:04**
